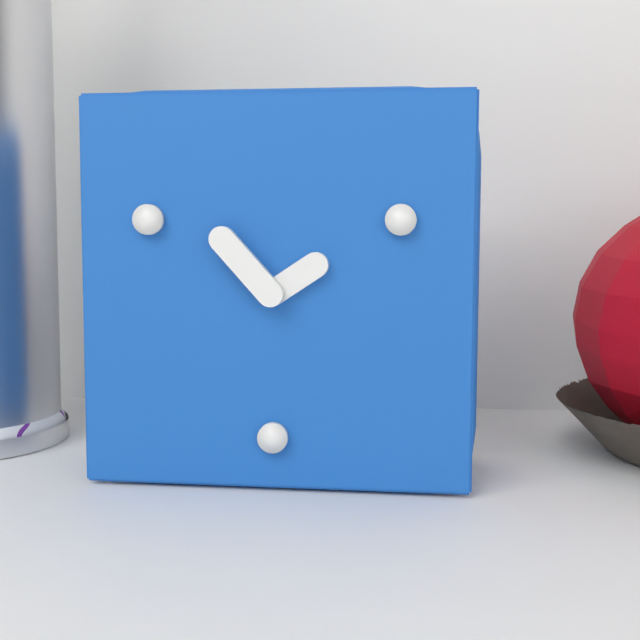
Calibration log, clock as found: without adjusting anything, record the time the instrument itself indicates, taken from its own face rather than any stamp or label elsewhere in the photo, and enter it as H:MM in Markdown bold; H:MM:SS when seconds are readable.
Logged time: **1:53**
